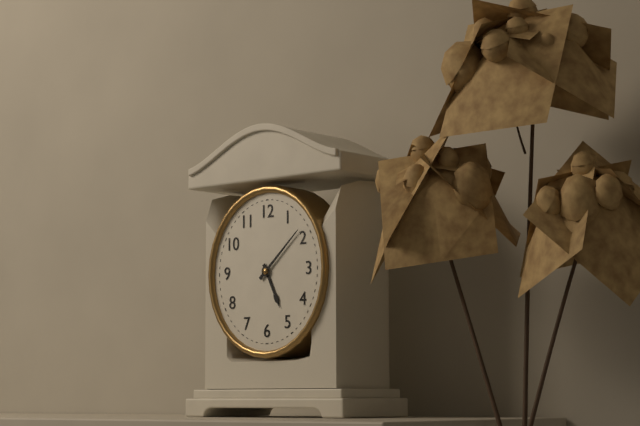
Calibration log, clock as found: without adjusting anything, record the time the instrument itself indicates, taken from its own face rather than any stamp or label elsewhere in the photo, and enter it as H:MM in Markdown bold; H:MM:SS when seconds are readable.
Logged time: **5:08**
